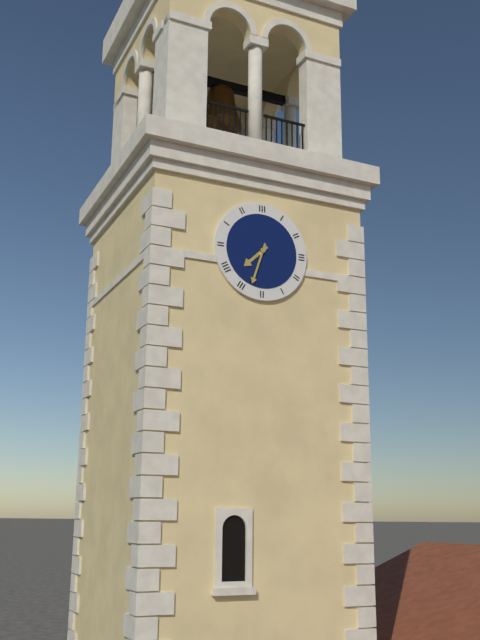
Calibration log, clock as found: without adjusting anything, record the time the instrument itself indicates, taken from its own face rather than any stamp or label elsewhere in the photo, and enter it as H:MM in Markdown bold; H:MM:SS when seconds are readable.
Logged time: **7:33**
